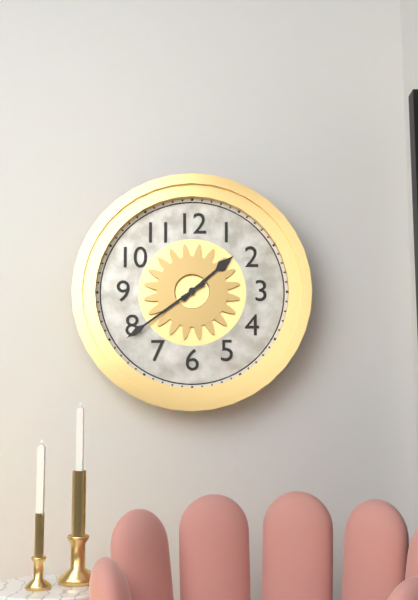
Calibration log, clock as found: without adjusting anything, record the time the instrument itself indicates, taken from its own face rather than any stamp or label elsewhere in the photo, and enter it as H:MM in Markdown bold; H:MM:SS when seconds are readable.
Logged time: **1:39**
